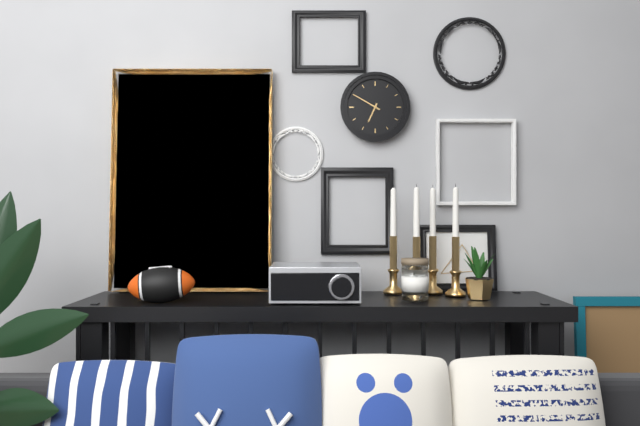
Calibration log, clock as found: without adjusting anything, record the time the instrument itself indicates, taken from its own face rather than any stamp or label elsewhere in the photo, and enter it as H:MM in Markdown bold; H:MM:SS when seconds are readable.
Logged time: **6:50**
